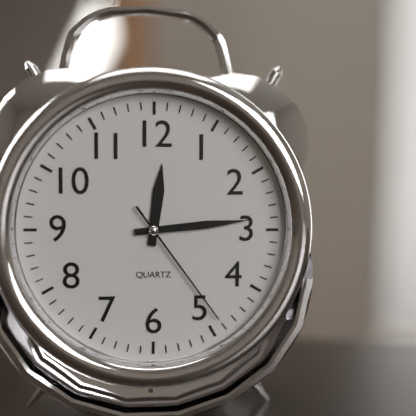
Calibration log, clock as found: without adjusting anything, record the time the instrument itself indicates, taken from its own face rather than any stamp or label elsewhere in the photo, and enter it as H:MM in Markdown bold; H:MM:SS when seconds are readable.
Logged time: **12:14:24**
